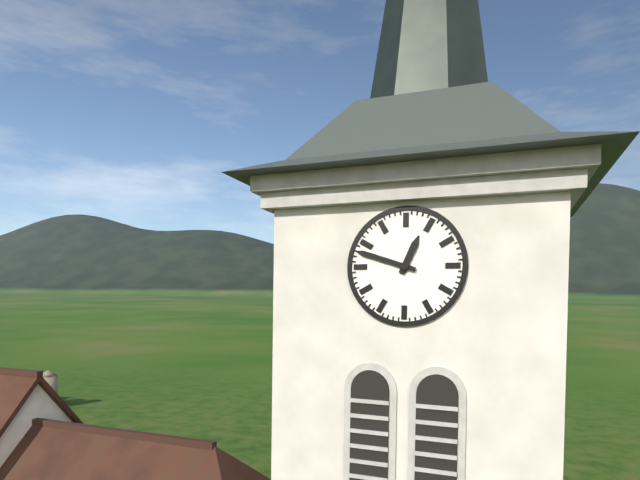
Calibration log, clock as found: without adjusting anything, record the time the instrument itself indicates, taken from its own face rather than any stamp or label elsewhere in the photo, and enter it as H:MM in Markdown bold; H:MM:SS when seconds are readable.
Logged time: **12:48**
